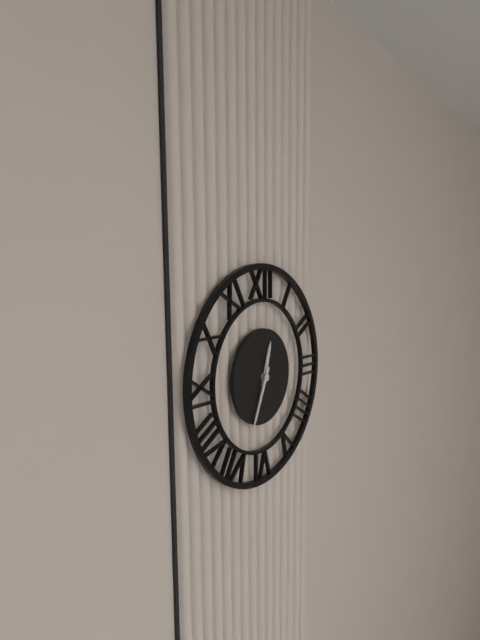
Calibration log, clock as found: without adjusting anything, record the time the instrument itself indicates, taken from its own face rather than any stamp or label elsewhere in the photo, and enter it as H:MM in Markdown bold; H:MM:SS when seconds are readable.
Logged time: **12:34**
